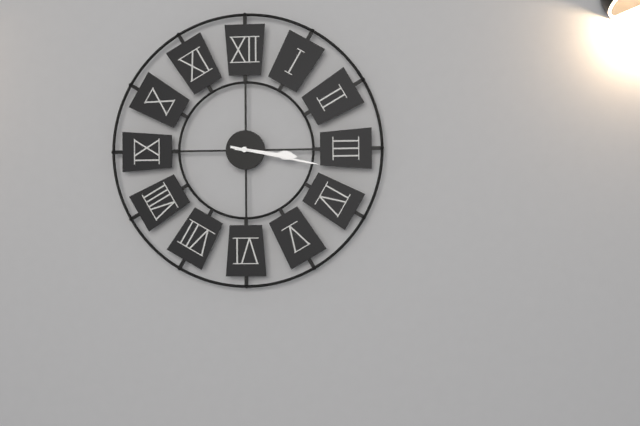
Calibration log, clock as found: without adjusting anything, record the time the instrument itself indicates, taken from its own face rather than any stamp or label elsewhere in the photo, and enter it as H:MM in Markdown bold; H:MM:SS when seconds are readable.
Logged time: **3:17**
